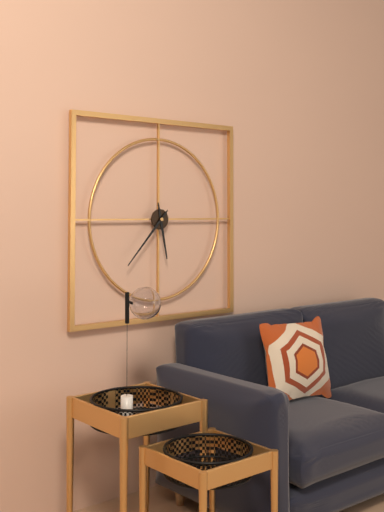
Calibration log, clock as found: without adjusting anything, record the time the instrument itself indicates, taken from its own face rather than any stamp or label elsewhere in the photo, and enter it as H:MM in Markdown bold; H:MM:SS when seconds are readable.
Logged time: **5:37**
